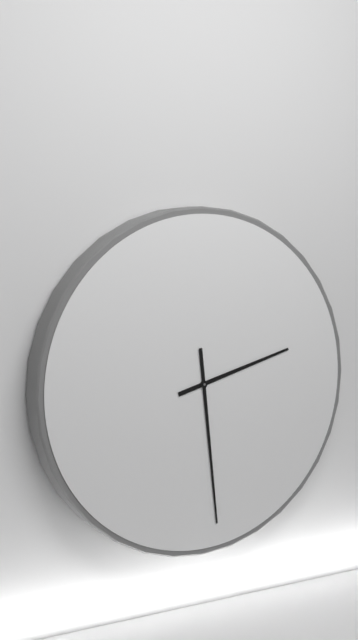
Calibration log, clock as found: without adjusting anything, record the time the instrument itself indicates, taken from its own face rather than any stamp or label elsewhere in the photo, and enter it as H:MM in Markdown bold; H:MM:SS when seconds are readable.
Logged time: **2:29**
